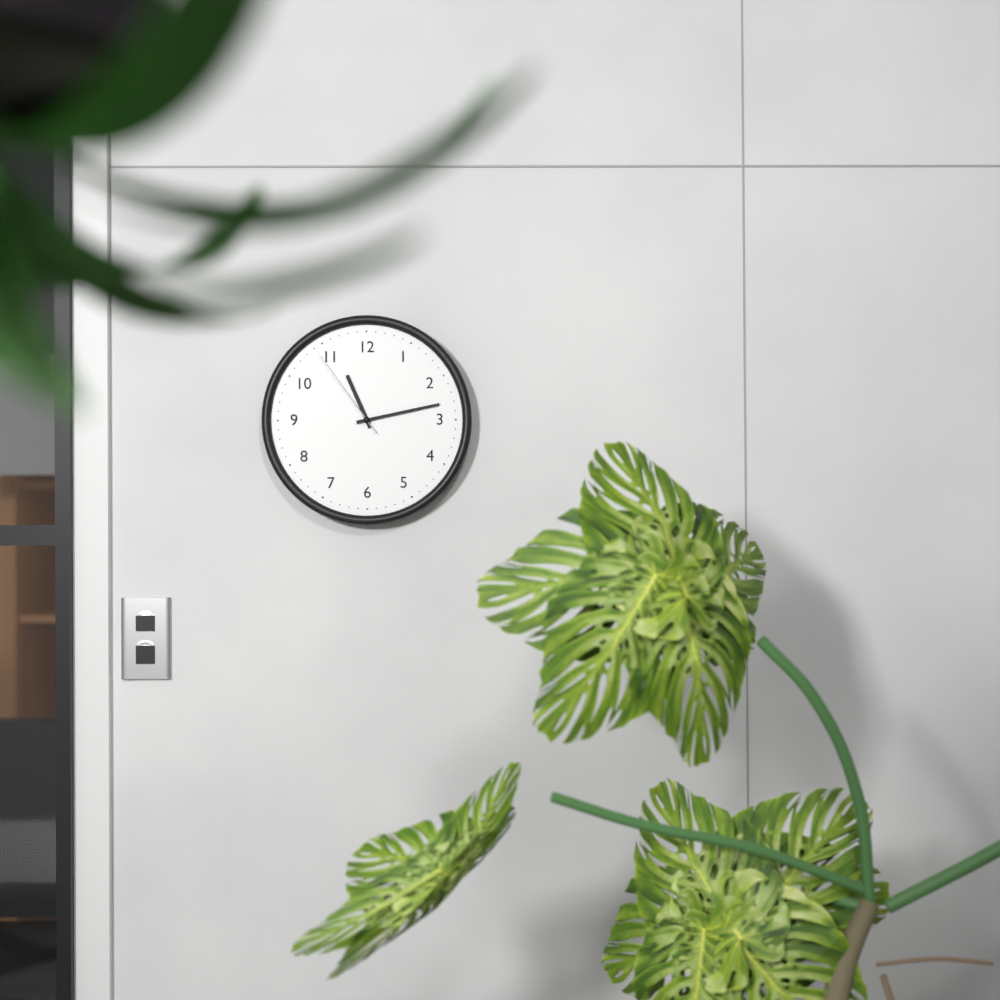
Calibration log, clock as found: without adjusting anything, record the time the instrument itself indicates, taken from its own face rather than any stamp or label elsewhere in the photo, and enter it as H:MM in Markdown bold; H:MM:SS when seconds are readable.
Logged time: **11:13:54**
